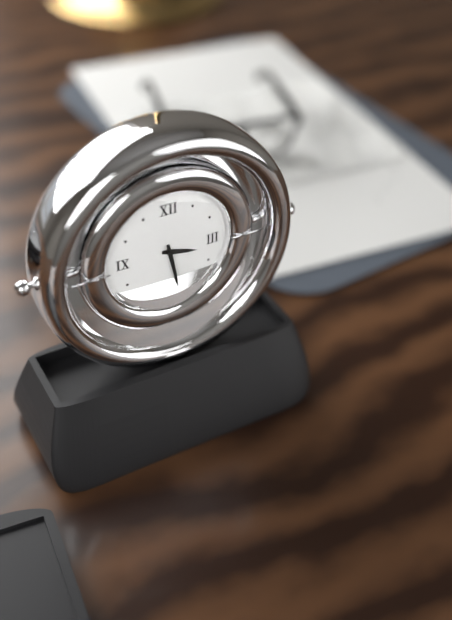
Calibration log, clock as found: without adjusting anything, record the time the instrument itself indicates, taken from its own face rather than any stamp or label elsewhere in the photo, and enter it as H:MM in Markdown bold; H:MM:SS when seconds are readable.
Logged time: **3:28**
